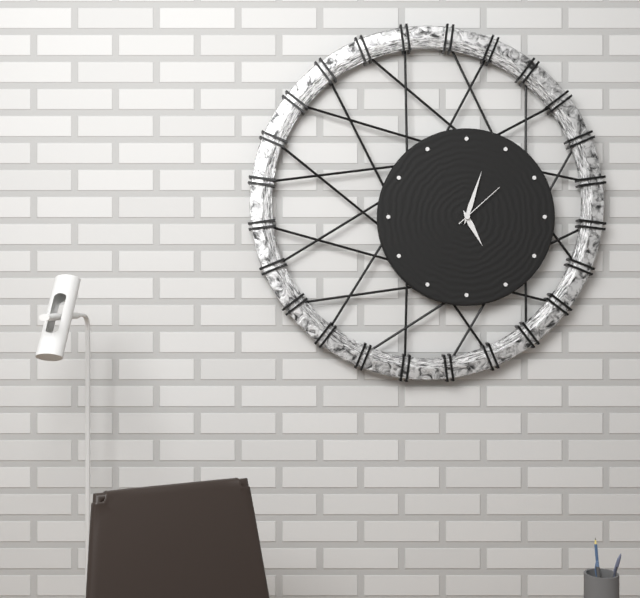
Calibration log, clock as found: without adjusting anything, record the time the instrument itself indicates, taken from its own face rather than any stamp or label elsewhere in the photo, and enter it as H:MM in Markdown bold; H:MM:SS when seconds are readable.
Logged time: **5:03:08**
